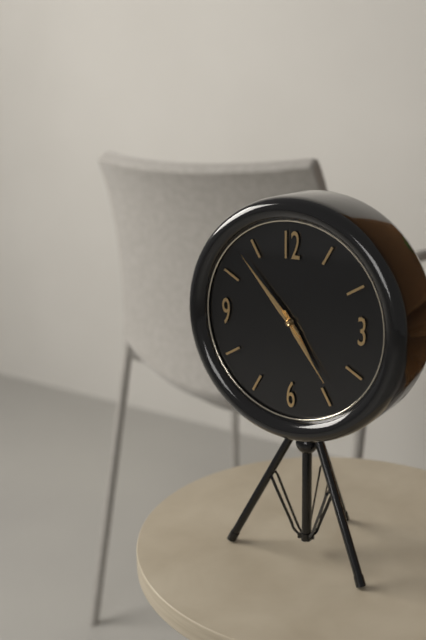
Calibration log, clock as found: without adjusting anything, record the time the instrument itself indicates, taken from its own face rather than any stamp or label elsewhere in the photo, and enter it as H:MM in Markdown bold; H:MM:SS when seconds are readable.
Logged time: **4:53:24**
